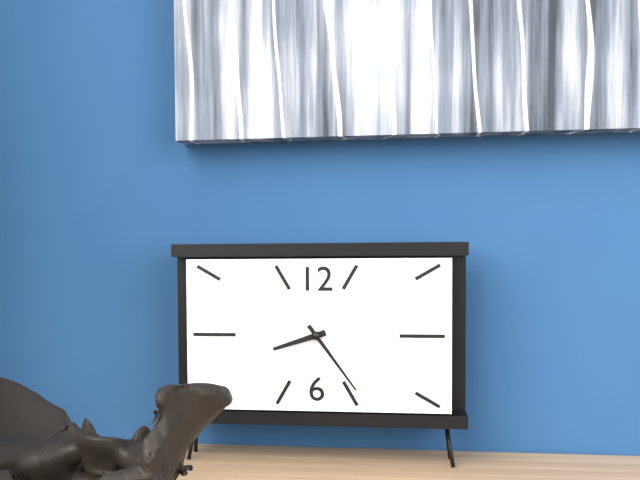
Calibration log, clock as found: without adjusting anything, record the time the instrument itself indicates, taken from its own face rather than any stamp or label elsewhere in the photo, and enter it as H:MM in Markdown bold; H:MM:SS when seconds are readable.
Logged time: **8:24**
